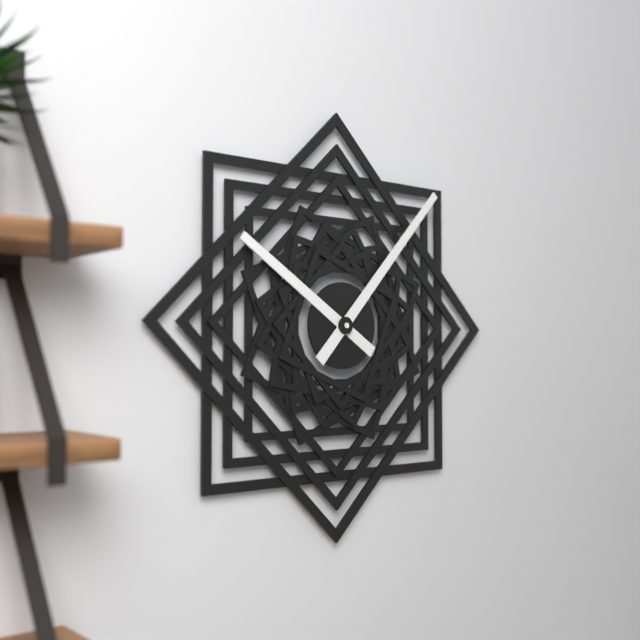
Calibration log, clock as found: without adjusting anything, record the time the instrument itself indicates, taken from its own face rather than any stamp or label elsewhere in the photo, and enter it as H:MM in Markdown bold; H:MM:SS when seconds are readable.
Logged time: **10:07**
